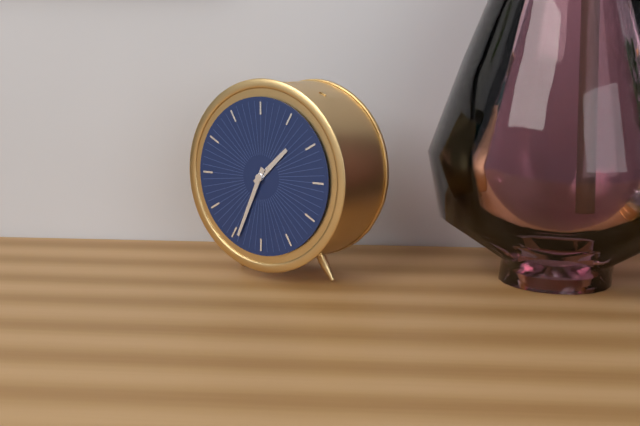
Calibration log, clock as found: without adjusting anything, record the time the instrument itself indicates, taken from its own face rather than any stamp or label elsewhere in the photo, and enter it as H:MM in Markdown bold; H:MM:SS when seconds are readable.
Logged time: **1:34**
